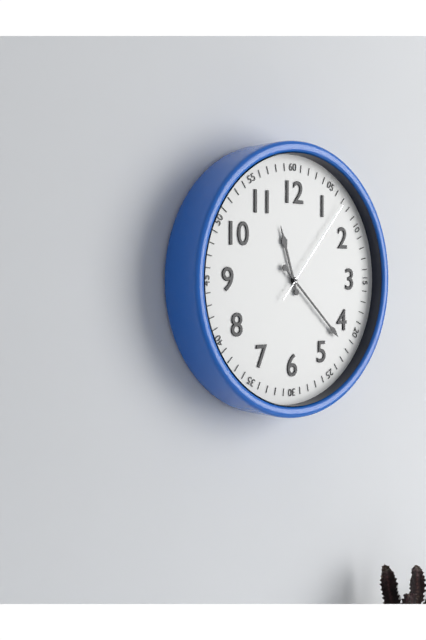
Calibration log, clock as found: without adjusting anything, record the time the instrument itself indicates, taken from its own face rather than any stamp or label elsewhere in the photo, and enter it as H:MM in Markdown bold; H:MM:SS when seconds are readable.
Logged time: **11:22:07**
